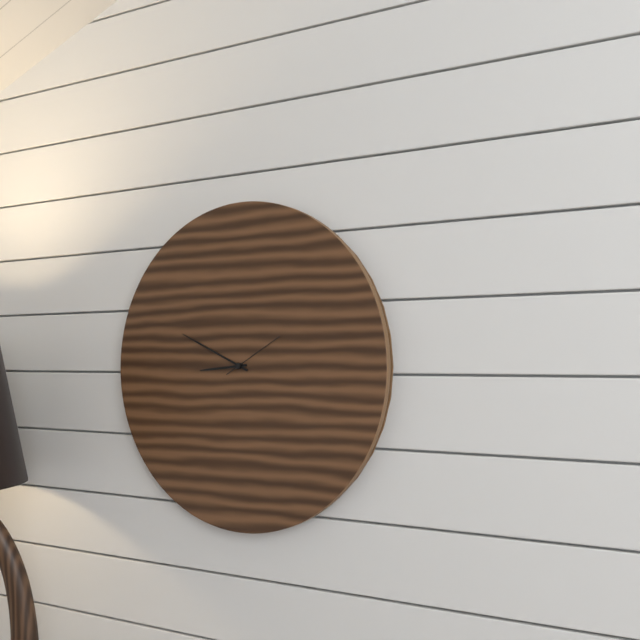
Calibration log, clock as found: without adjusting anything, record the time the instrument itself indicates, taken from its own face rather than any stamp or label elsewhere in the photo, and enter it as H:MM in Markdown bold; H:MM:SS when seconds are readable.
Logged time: **8:49:10**
